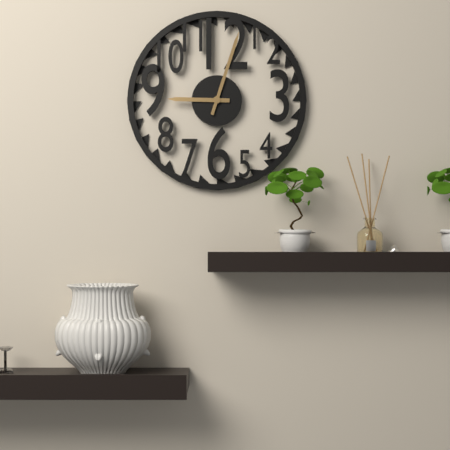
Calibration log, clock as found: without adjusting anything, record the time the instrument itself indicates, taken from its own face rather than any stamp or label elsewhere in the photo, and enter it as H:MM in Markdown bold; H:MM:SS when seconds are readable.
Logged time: **9:03**
